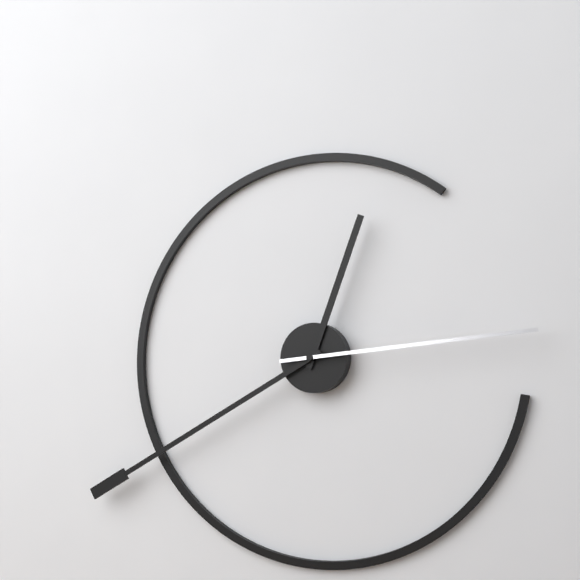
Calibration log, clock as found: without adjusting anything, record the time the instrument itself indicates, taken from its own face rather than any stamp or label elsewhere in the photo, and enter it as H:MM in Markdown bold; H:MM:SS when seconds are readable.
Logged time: **12:40:14**
